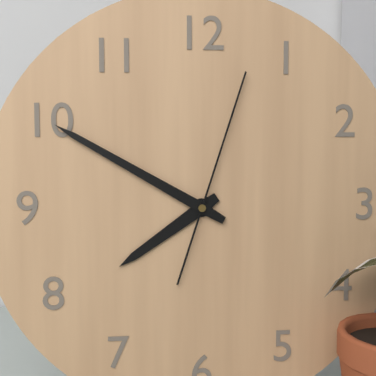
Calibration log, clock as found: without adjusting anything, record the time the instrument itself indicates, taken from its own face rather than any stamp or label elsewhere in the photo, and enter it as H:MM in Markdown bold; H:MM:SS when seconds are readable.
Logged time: **7:50:03**
